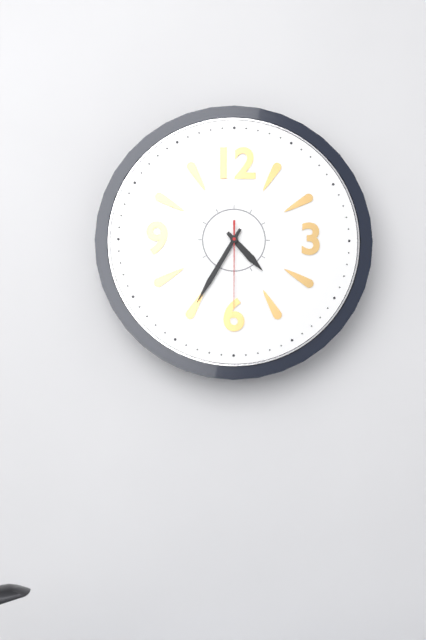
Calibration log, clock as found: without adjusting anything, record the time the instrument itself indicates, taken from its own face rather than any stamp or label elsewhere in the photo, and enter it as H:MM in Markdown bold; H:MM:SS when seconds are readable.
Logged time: **4:35:30**
